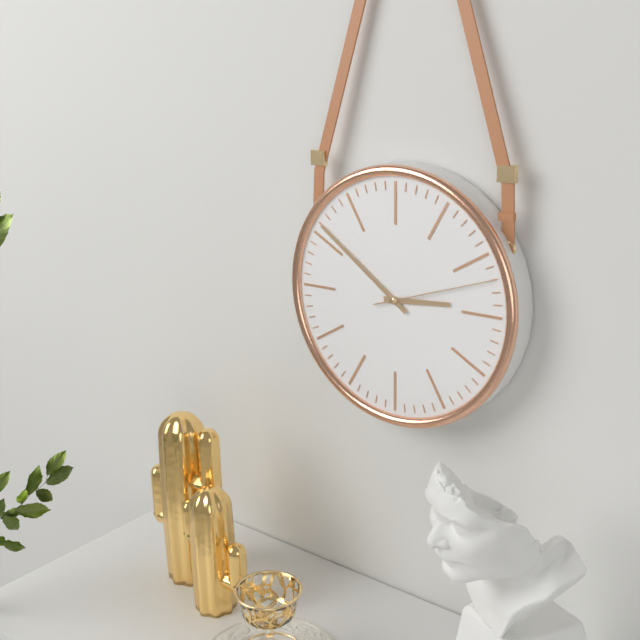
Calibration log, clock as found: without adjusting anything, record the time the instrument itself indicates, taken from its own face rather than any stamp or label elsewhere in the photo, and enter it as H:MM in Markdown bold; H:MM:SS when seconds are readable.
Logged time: **2:51:12**
